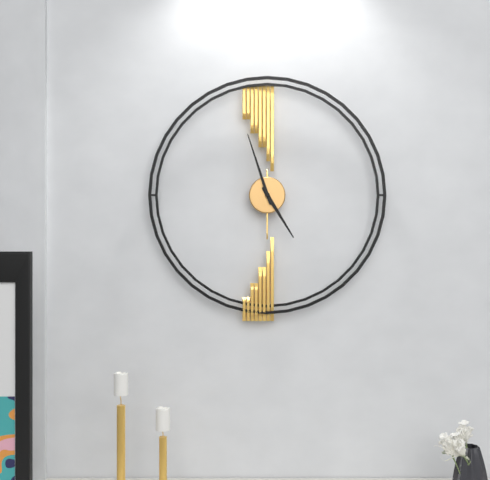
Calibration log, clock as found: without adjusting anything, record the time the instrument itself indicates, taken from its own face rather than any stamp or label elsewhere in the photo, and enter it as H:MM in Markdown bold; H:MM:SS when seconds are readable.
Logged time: **4:57**
